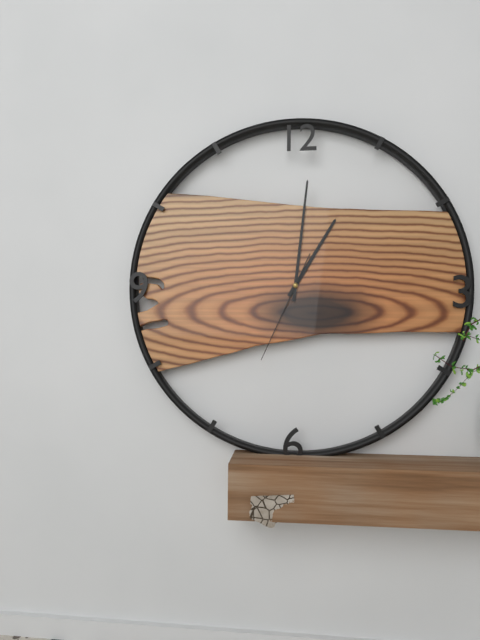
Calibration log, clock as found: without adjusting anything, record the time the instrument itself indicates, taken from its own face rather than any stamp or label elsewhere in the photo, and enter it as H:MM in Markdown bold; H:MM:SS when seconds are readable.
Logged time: **1:01:34**
